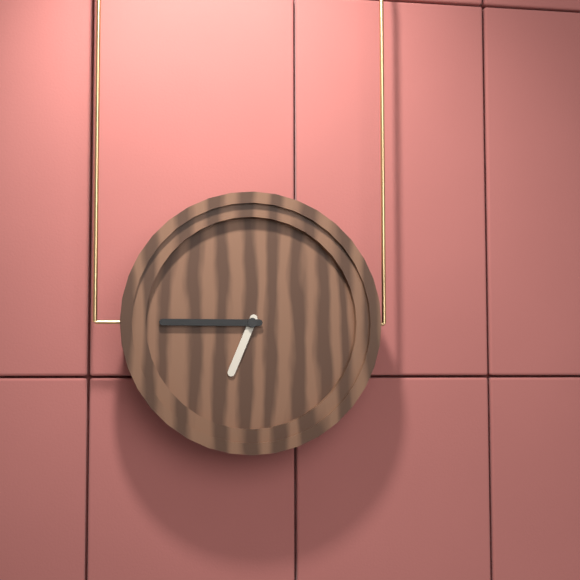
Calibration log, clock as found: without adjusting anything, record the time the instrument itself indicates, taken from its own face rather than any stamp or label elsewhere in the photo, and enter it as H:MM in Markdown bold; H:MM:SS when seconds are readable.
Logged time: **6:45**
